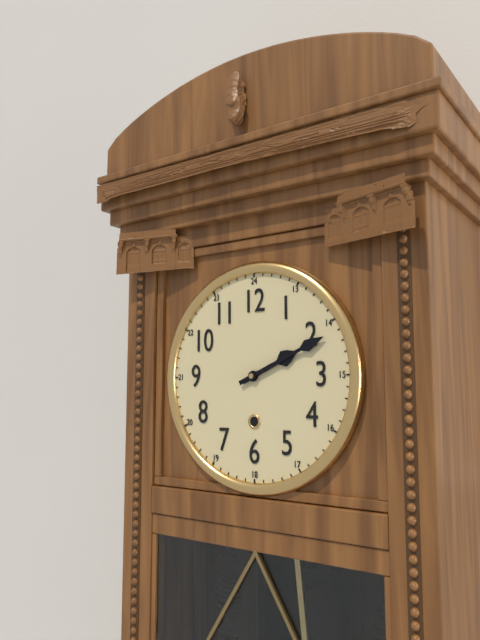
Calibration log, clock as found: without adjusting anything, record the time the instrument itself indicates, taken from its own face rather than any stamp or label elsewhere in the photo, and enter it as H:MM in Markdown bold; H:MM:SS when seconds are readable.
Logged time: **2:11**
